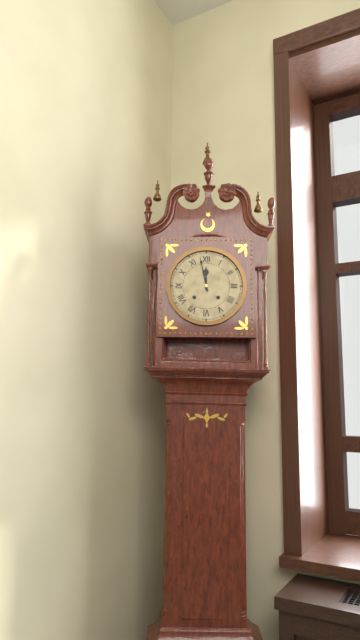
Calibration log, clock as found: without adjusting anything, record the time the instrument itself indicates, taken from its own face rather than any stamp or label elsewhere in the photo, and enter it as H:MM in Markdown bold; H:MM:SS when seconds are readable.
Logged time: **11:58**
